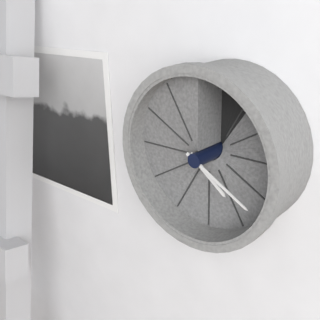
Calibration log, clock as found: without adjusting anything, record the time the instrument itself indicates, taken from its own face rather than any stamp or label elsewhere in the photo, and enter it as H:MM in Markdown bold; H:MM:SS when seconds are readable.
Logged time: **4:20**
